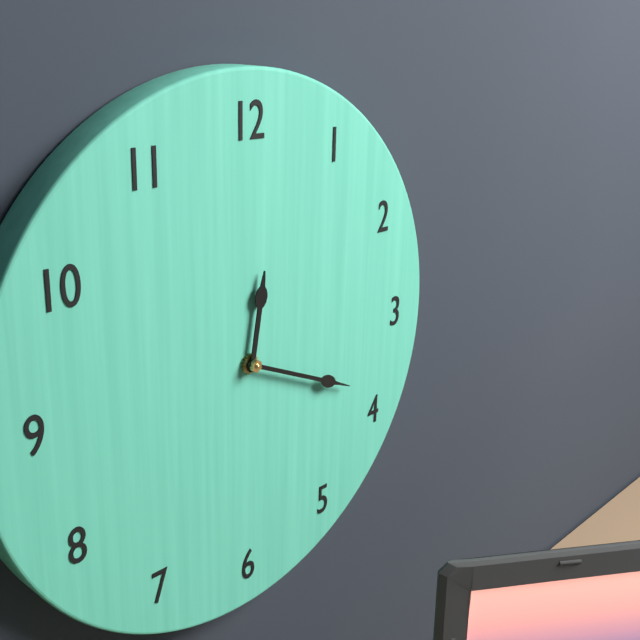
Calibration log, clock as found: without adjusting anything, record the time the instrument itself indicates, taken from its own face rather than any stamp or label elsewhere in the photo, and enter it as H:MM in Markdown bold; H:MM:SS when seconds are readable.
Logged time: **12:19**
